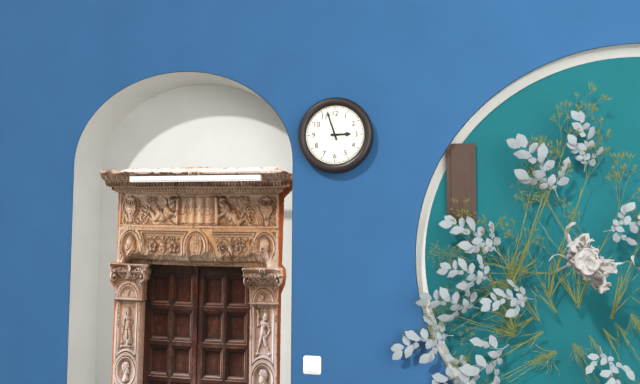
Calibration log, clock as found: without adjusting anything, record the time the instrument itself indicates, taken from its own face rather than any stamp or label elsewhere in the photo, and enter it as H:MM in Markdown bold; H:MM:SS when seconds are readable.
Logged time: **2:57**
